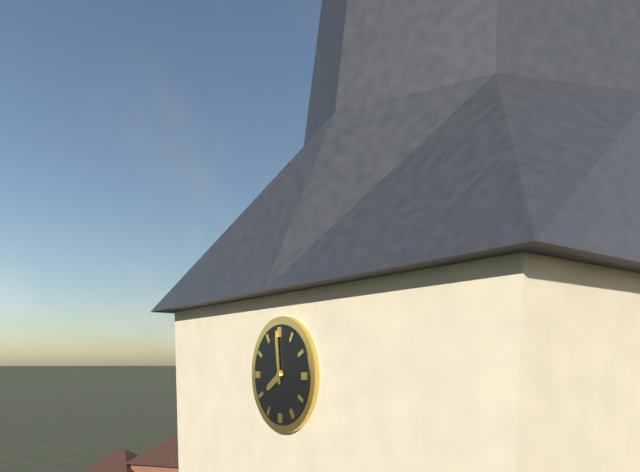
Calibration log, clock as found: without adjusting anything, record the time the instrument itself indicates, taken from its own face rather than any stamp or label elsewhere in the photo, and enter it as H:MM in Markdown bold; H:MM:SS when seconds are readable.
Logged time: **7:59**
